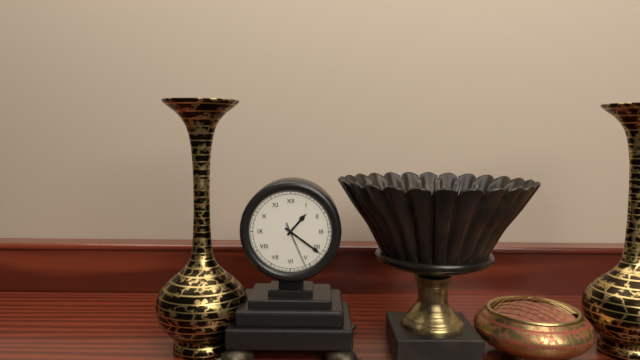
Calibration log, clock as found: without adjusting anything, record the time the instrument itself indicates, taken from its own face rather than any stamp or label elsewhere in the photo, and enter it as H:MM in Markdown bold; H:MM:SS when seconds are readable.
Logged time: **1:21**
